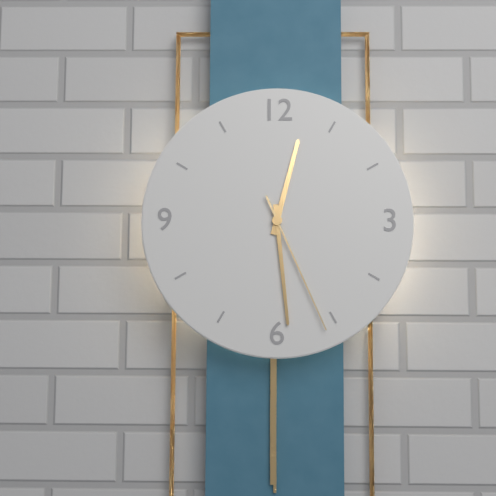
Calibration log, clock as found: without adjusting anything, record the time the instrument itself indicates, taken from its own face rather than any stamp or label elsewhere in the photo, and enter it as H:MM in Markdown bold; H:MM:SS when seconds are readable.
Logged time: **12:29:26**
